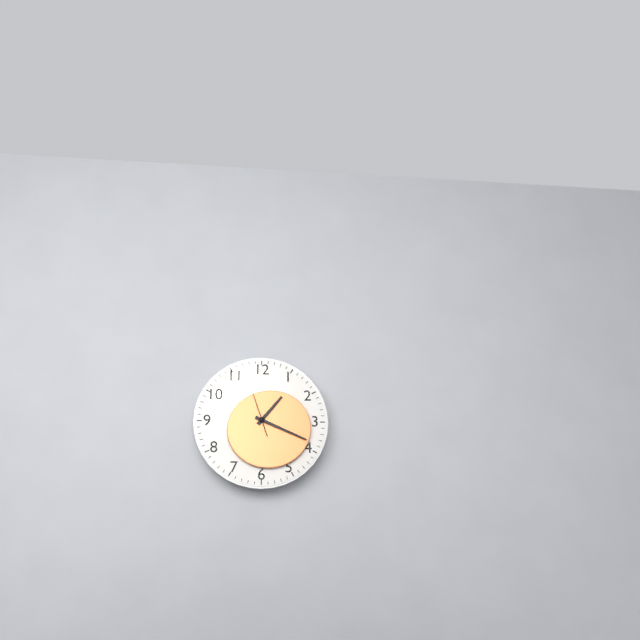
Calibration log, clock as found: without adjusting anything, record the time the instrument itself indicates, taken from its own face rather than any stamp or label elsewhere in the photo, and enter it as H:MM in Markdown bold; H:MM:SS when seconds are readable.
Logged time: **1:19:57**
